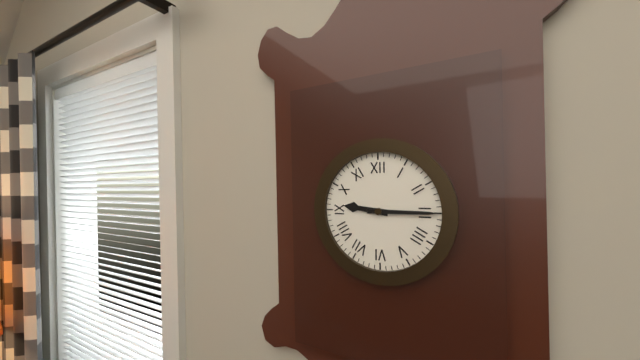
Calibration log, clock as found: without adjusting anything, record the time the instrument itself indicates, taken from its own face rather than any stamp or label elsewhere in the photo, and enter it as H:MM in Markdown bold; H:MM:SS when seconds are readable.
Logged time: **9:15**
